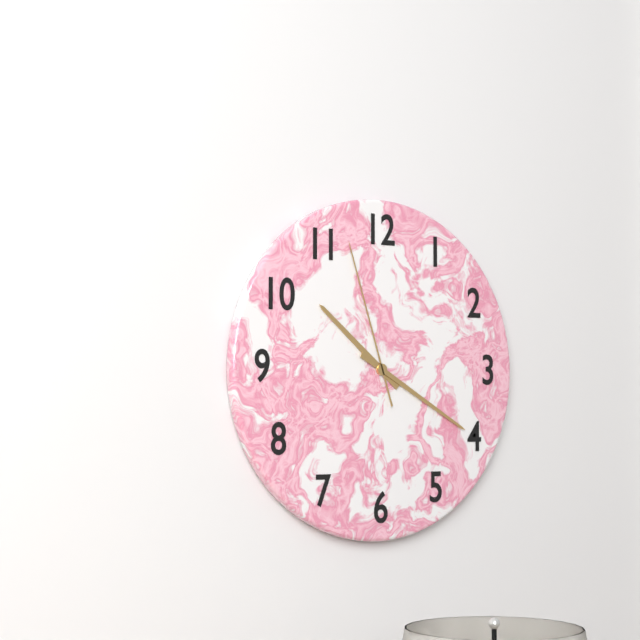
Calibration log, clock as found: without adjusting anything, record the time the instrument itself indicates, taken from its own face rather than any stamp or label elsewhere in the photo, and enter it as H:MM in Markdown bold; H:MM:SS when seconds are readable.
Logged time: **10:20:57**
